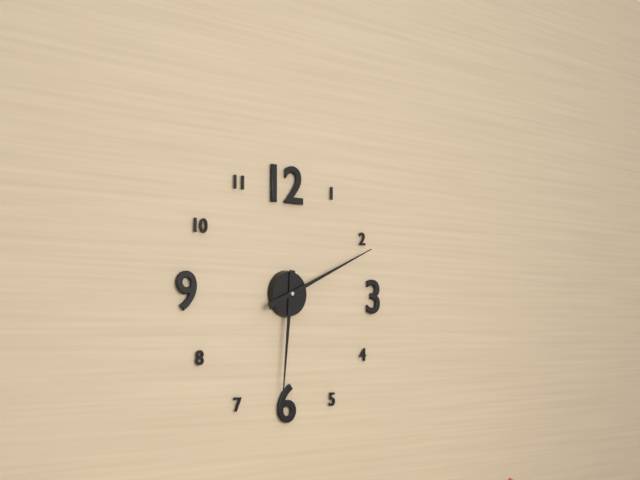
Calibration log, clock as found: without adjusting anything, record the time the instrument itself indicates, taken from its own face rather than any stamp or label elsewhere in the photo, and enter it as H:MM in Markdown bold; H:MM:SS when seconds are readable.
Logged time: **6:11**
